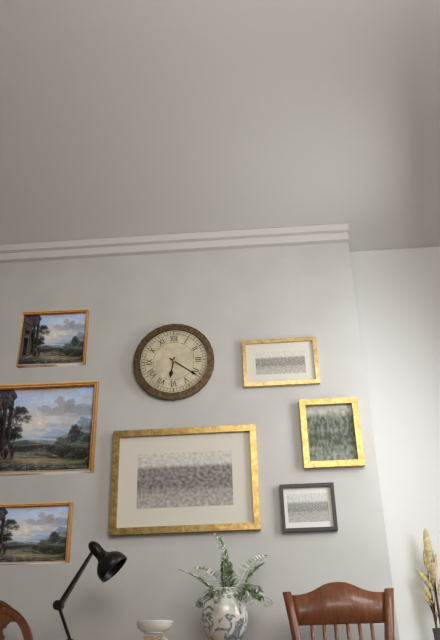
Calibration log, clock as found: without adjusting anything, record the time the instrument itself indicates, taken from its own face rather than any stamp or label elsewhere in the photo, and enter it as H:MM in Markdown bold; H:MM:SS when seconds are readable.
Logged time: **6:21**
